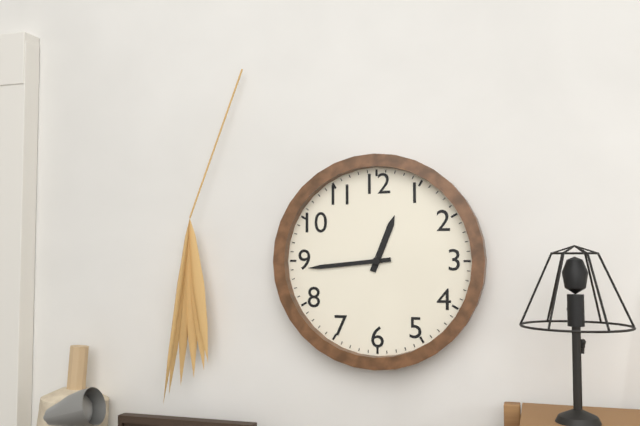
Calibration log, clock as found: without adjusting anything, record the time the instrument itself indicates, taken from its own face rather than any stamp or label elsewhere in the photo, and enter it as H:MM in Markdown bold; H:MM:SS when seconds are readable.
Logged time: **12:44**
